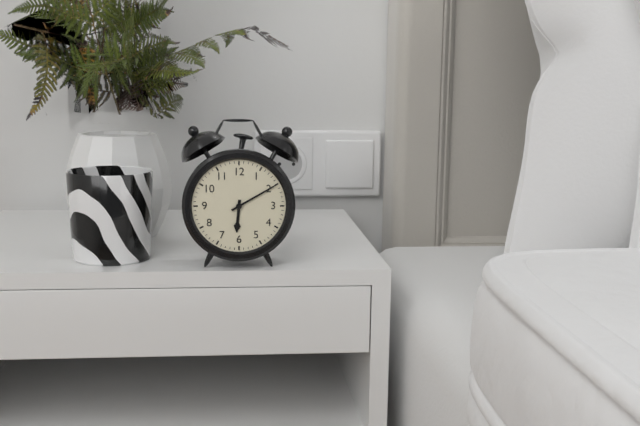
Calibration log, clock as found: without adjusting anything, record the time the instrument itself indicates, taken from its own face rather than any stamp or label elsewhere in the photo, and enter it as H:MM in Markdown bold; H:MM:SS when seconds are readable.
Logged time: **6:10**
